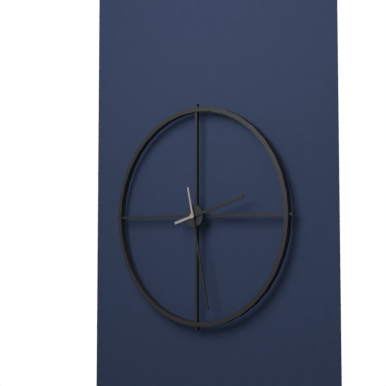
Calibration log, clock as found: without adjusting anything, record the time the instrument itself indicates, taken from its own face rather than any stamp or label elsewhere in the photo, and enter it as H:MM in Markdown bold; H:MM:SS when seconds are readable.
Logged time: **2:28**
